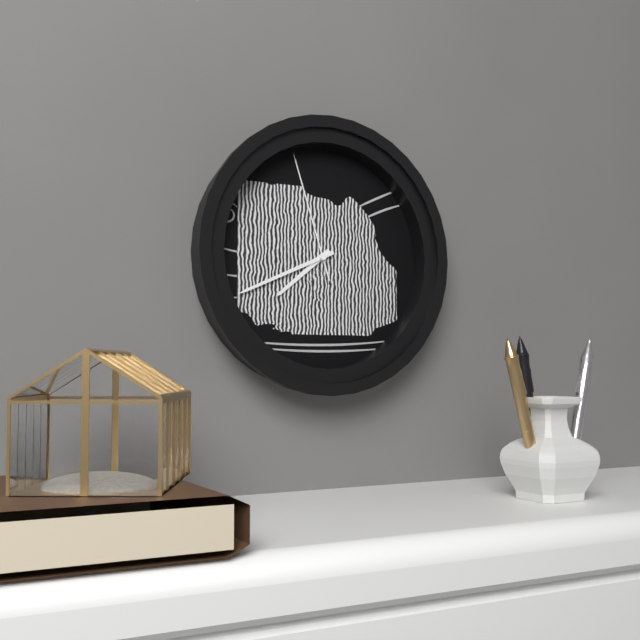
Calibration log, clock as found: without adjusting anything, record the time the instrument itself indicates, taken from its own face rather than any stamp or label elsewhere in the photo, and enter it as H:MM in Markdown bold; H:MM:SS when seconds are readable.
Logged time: **7:41:57**
